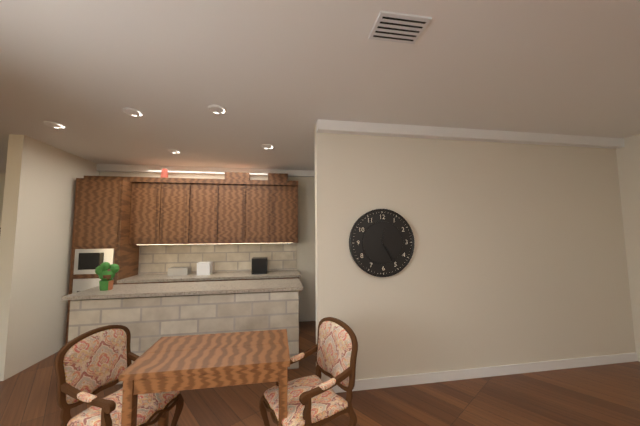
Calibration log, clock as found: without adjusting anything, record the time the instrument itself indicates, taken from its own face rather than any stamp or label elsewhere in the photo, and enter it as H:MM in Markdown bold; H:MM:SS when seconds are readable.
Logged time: **12:25**
